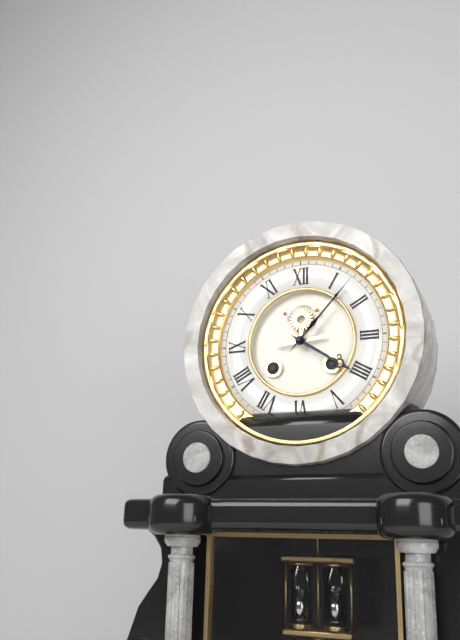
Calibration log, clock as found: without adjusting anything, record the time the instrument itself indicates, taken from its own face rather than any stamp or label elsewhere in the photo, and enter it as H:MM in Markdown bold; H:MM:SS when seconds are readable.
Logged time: **4:07**
